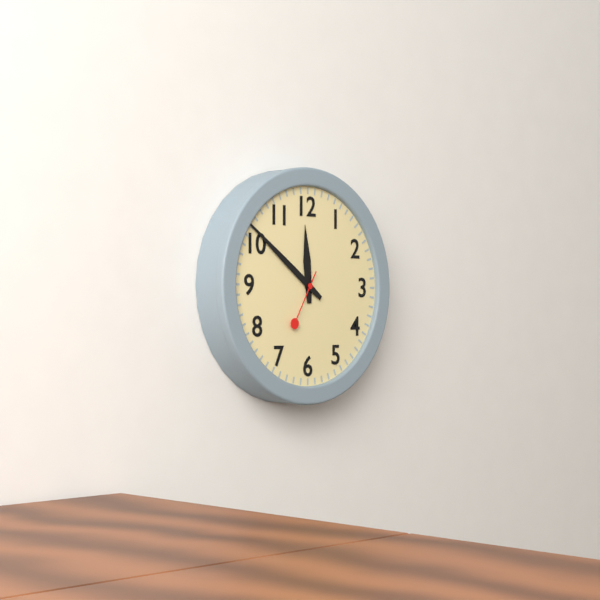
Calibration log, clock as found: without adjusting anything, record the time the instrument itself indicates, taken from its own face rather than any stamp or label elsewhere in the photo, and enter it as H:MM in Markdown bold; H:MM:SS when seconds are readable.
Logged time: **11:51:35**
